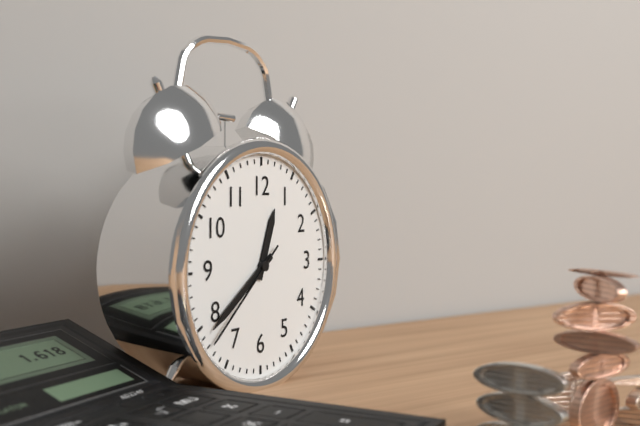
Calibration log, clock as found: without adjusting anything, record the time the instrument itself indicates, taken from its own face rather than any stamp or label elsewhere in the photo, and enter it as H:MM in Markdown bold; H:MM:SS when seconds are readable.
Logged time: **12:39:38**
